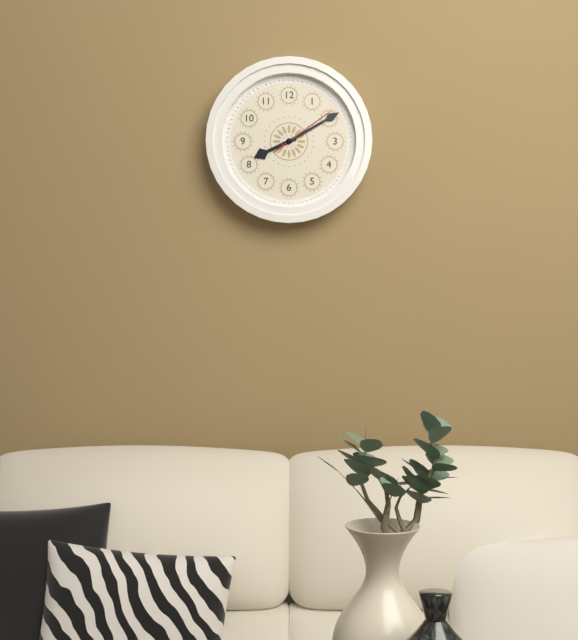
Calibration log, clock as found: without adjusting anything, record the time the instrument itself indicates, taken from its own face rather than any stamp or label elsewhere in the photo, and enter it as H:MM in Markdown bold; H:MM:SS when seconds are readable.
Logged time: **8:10:09**
